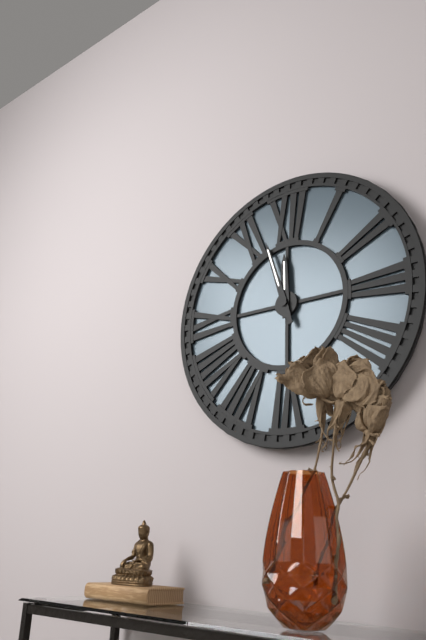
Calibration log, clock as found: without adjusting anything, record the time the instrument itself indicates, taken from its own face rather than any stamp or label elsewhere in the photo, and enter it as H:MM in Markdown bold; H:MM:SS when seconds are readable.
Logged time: **11:57**
